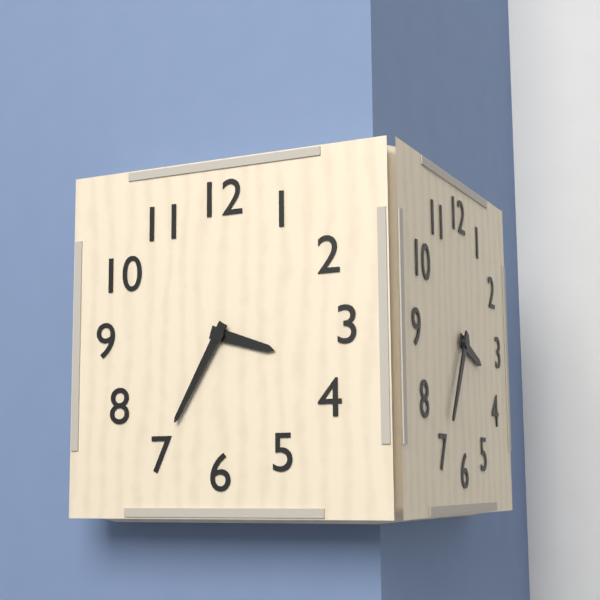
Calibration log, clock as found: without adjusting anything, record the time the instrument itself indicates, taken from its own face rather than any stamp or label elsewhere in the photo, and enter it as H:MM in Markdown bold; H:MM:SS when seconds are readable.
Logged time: **3:35**
